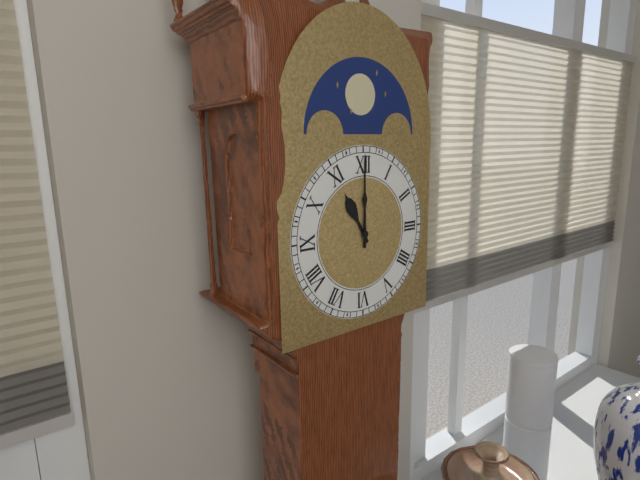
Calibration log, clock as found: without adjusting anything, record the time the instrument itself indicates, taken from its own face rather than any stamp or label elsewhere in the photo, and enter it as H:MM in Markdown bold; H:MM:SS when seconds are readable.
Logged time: **11:00**
